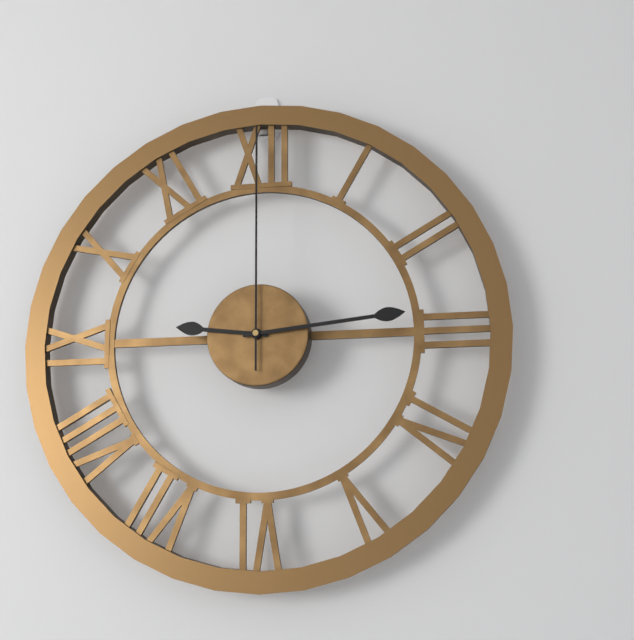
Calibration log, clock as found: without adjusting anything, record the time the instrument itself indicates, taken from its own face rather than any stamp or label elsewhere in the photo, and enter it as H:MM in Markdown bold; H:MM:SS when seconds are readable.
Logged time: **9:14:00**
